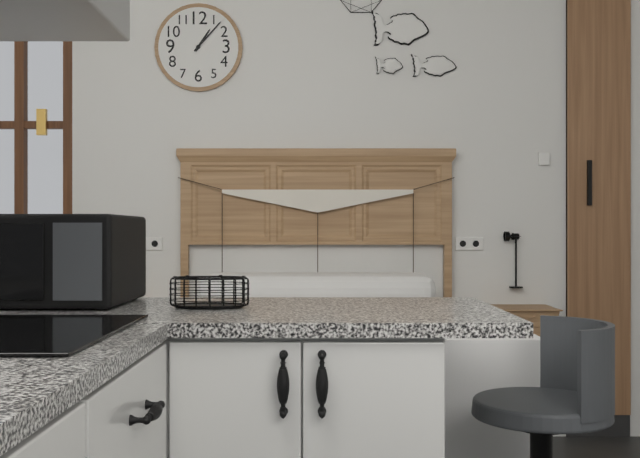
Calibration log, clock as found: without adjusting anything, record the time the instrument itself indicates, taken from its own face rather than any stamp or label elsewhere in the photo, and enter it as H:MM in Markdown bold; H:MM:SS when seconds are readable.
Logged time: **1:07**
